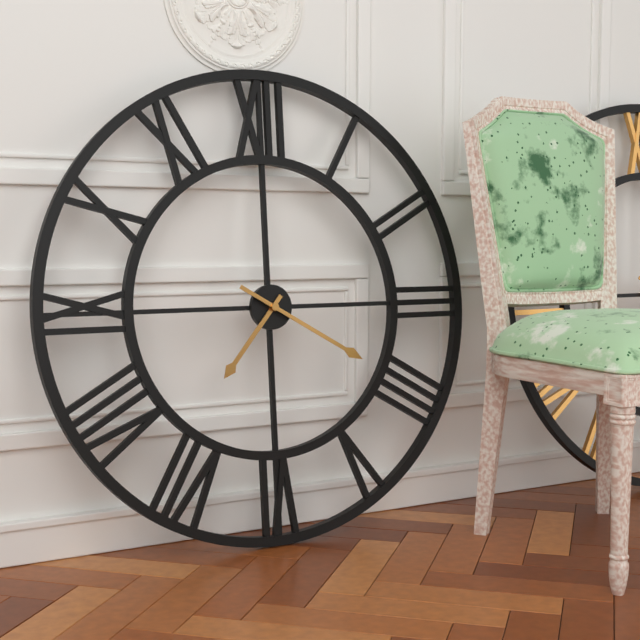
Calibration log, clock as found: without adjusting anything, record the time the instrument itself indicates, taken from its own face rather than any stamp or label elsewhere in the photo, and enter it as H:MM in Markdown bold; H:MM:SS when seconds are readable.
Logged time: **7:20**
